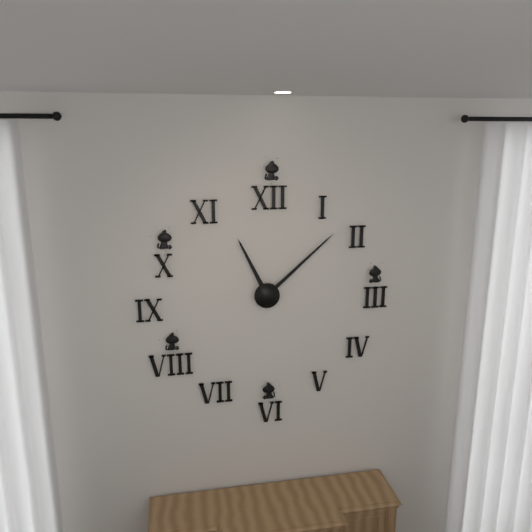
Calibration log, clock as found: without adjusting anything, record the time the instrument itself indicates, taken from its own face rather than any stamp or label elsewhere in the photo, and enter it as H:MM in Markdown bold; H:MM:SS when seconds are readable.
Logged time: **11:08**
